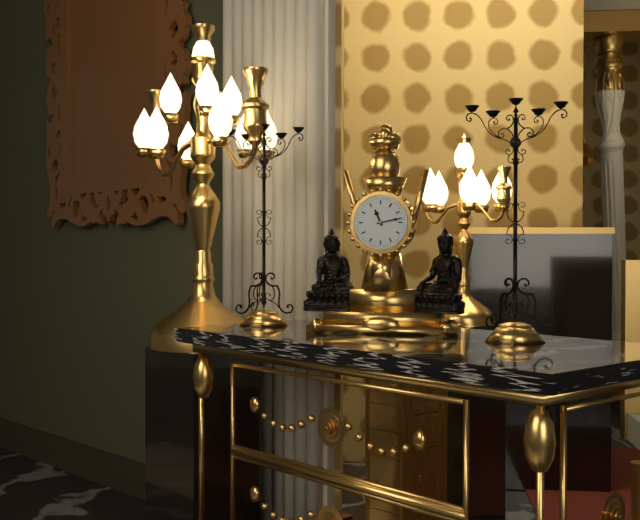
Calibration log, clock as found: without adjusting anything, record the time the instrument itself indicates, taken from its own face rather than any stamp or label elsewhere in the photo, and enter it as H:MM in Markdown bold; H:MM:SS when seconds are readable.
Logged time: **11:13**
